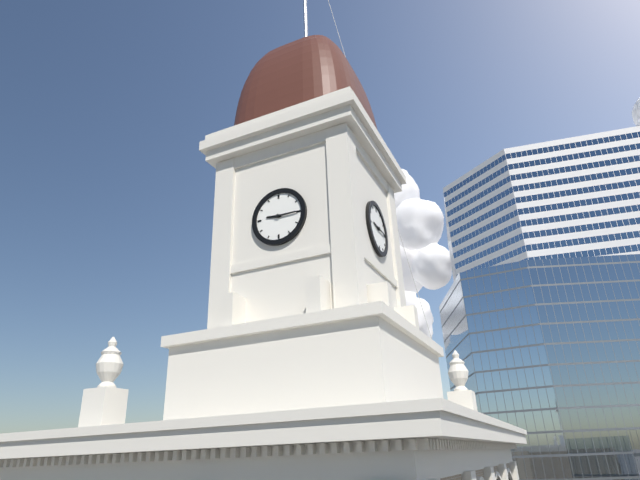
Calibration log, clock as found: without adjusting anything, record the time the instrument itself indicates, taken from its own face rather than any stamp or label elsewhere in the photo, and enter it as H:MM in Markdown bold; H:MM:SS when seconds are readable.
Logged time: **9:15**
